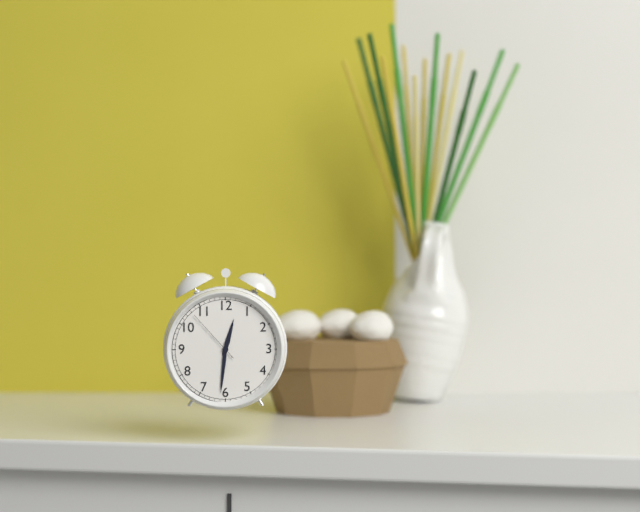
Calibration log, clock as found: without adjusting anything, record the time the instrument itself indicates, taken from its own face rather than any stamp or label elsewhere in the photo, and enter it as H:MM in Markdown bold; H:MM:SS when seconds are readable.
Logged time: **12:31:53**
